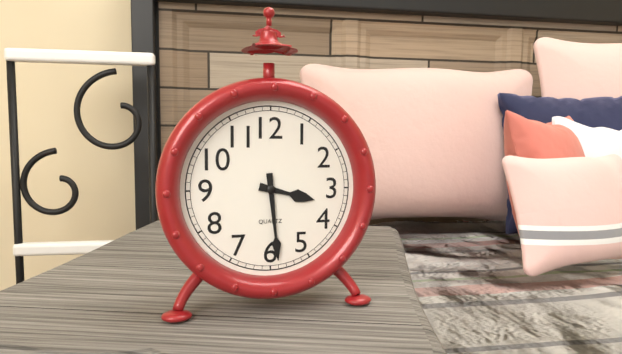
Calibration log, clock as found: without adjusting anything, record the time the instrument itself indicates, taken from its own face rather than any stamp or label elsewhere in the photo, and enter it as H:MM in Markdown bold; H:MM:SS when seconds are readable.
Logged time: **3:29**
